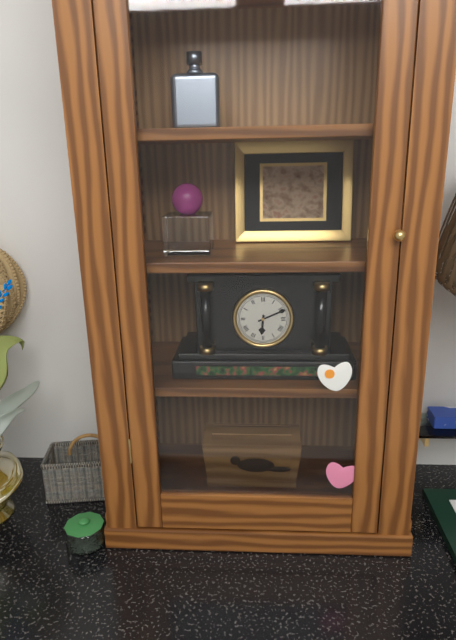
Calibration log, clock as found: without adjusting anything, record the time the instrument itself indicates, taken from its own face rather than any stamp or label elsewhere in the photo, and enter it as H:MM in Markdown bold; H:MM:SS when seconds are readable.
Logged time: **6:11**
